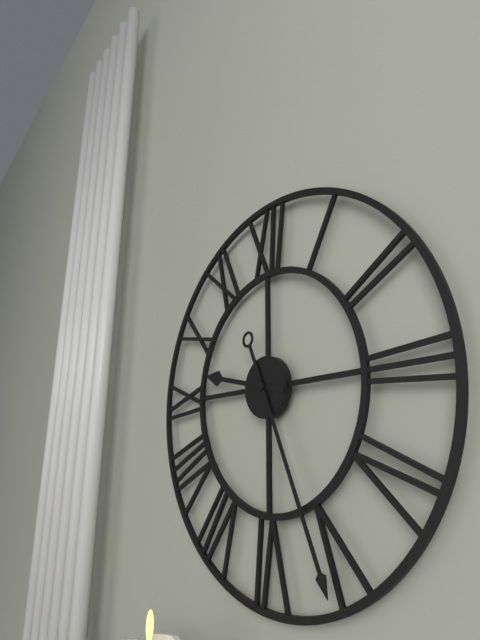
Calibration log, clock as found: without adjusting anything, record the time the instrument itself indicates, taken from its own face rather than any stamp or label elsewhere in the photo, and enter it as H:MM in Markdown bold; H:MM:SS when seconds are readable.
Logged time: **9:26**
